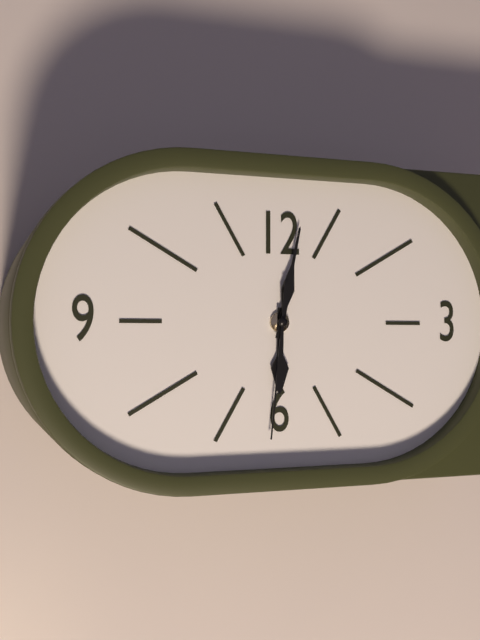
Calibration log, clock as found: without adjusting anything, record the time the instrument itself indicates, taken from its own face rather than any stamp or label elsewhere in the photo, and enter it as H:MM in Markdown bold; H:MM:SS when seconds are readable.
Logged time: **6:02:31**
